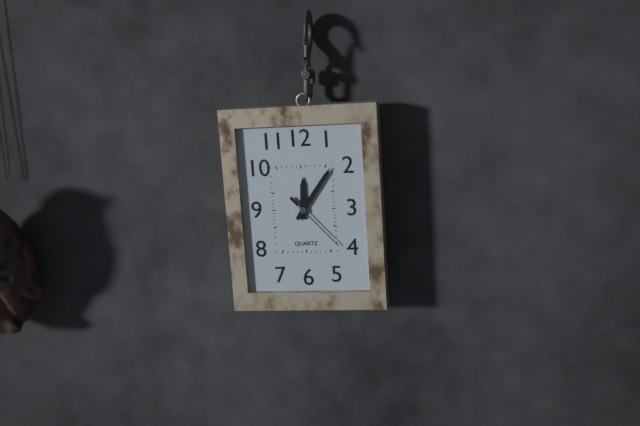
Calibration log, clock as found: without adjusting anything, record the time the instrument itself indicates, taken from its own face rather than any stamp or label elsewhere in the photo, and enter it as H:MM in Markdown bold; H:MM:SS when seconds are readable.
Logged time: **12:06:23**
